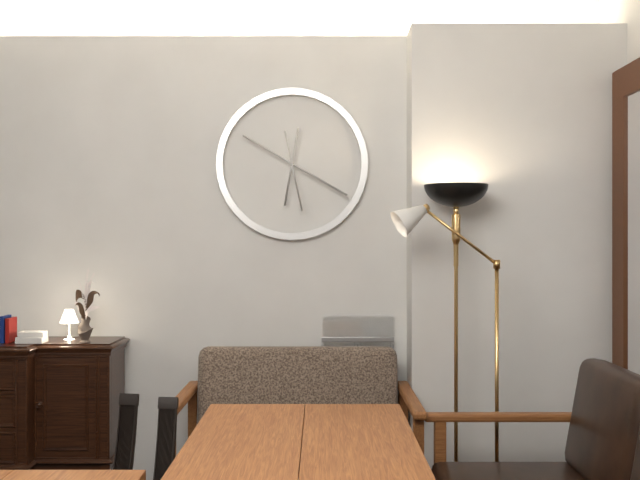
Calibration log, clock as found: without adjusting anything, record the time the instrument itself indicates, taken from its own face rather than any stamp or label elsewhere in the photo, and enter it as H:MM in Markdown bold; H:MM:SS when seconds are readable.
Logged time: **6:20:28**
